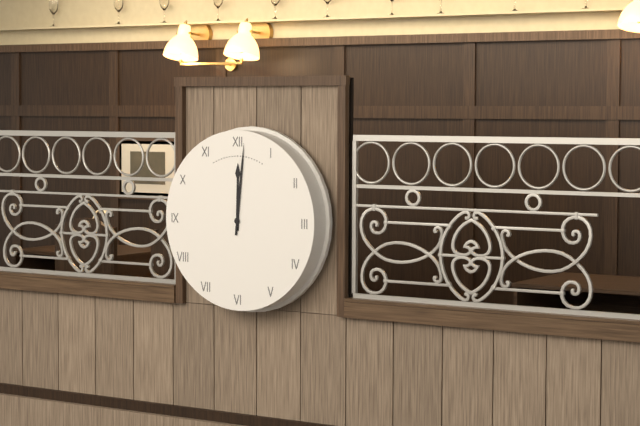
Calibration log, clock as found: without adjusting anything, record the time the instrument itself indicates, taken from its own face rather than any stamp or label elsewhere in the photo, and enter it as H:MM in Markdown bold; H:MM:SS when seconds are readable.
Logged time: **12:01**
